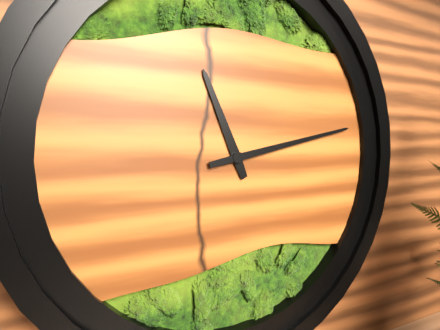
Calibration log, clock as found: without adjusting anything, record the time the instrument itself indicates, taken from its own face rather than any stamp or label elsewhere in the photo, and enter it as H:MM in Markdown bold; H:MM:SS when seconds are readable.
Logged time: **11:13**
